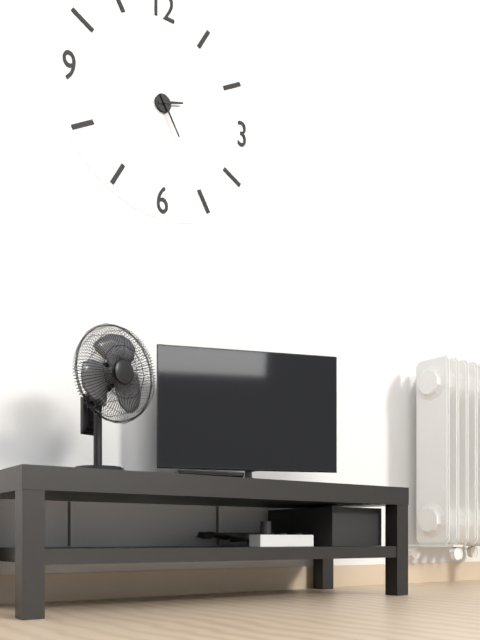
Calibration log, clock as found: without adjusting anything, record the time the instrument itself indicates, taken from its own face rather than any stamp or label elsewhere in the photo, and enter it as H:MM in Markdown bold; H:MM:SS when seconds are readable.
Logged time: **2:25**
